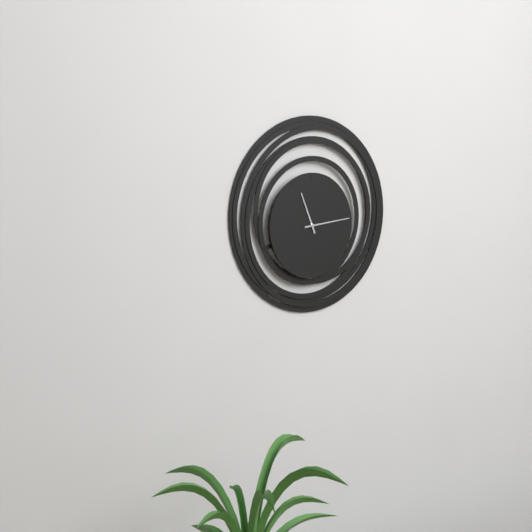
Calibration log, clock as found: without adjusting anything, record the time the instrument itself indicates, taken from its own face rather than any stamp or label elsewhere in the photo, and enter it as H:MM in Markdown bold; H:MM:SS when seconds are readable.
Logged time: **11:14**
